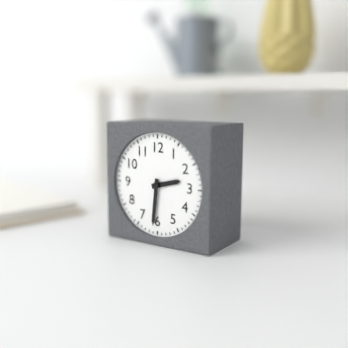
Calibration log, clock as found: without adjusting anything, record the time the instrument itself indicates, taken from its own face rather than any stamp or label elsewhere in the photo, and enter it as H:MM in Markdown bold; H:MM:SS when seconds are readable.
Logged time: **2:31**
